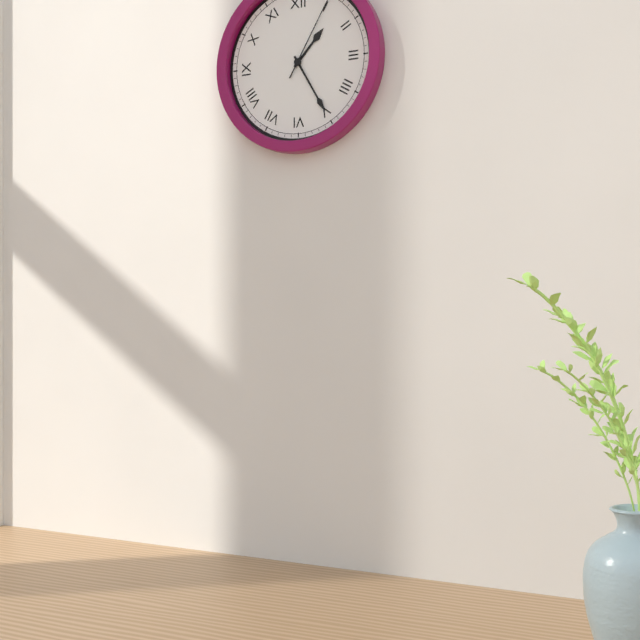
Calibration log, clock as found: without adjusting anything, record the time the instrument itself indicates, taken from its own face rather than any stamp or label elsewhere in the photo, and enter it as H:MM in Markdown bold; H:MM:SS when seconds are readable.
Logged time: **1:25**
